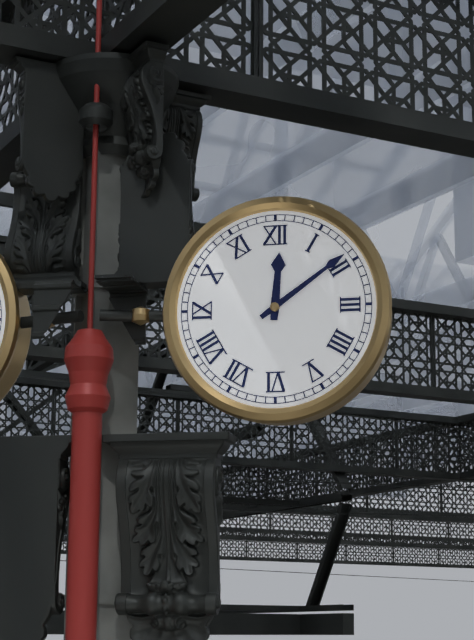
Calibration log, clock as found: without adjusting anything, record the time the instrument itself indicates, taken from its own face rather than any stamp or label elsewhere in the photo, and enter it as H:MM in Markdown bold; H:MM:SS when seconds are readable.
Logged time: **12:09**
